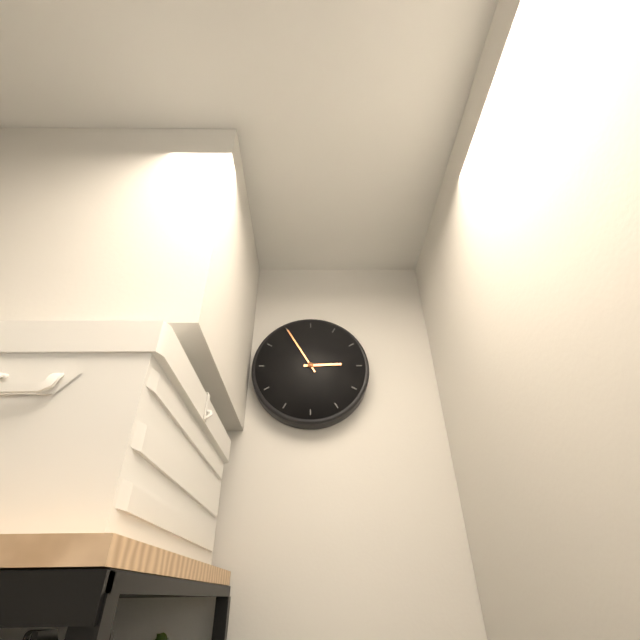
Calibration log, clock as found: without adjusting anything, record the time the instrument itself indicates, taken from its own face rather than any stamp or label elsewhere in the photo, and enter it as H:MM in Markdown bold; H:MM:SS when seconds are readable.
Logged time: **2:55**
